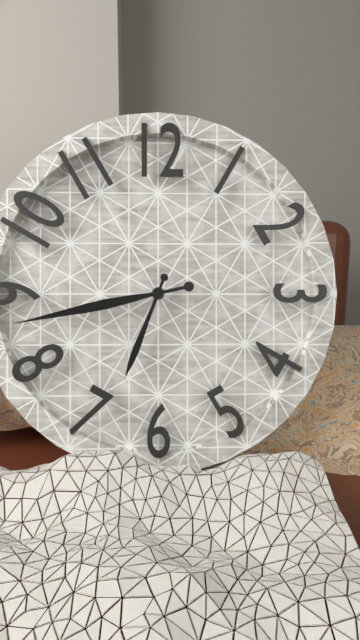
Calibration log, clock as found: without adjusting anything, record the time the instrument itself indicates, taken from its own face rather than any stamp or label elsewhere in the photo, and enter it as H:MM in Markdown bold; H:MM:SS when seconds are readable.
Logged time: **6:43**
